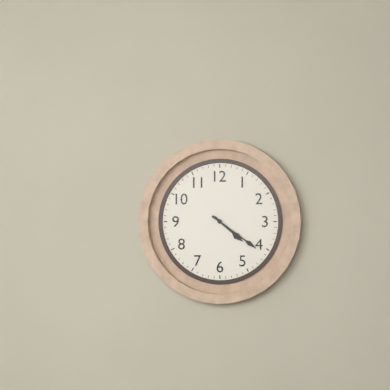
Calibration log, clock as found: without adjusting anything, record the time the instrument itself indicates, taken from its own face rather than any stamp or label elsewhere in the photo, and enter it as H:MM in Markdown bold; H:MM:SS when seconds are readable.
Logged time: **4:21**
